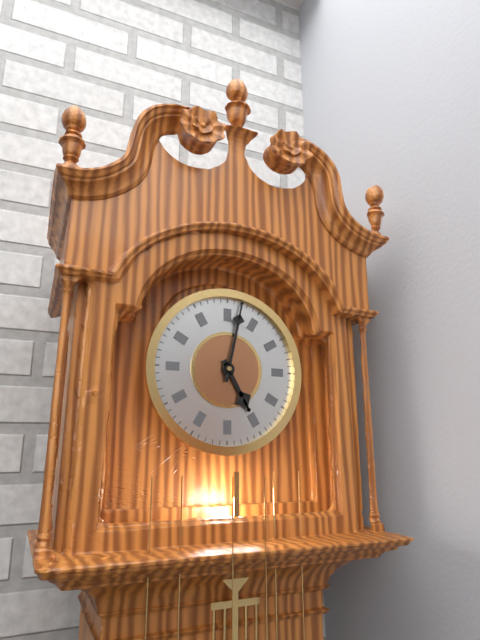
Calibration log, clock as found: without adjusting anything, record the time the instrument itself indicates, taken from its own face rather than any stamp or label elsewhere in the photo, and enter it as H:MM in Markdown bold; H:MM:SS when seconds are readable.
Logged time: **5:02**
